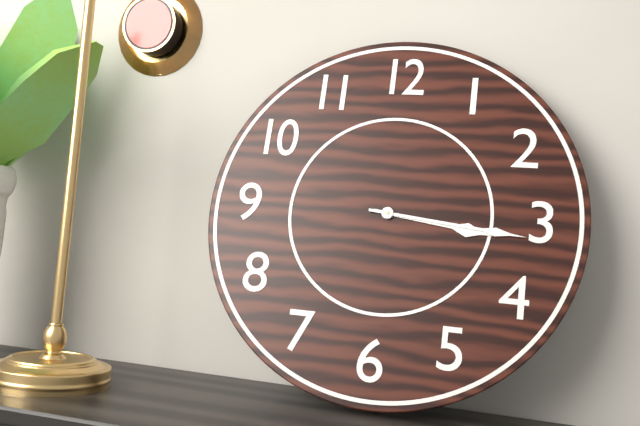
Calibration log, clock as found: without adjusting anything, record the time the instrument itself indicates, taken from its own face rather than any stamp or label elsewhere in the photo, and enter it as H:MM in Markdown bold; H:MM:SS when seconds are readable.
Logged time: **3:16**
